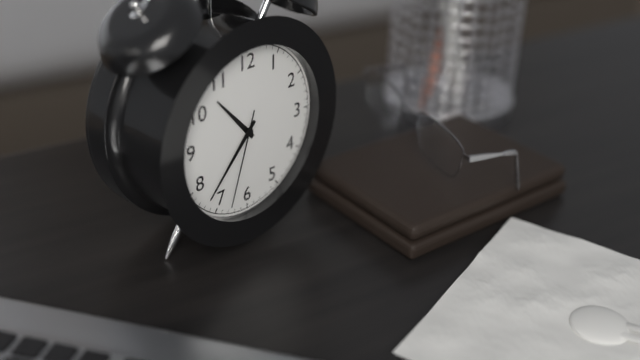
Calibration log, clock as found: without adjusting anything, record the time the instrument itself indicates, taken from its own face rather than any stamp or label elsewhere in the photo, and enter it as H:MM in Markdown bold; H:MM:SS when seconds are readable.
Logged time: **10:37:33**
